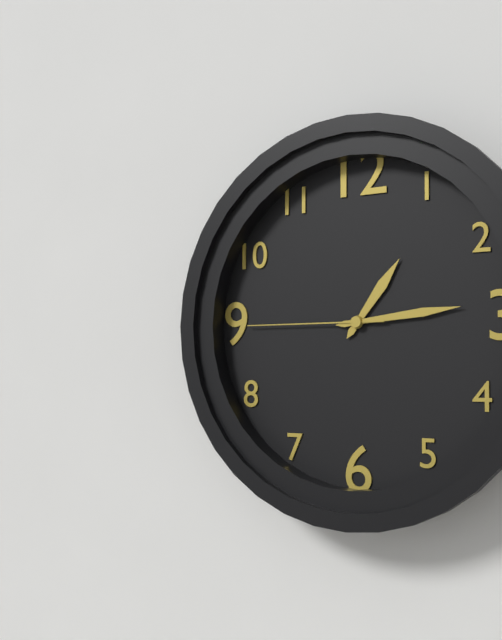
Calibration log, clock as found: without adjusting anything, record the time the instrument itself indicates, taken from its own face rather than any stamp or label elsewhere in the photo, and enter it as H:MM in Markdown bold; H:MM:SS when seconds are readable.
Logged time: **1:14:45**
